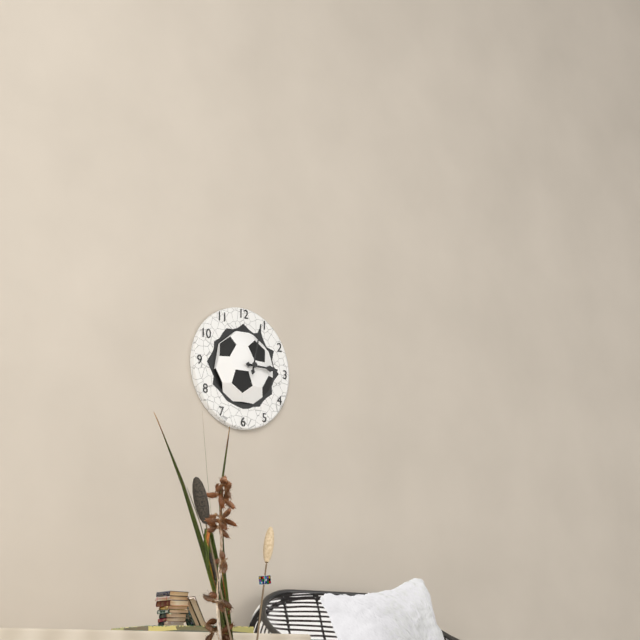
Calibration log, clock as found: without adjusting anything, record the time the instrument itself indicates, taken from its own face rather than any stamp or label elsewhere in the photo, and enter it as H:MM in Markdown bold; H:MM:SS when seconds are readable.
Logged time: **3:02**
